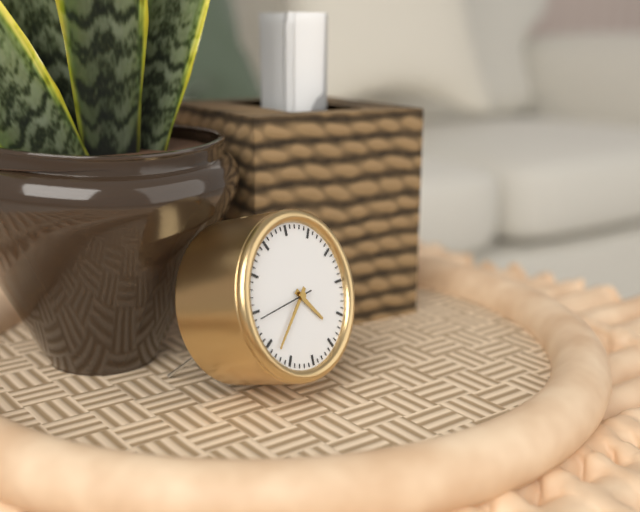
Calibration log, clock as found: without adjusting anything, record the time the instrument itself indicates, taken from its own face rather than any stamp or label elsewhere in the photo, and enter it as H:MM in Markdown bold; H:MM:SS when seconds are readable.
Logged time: **4:38:44**
